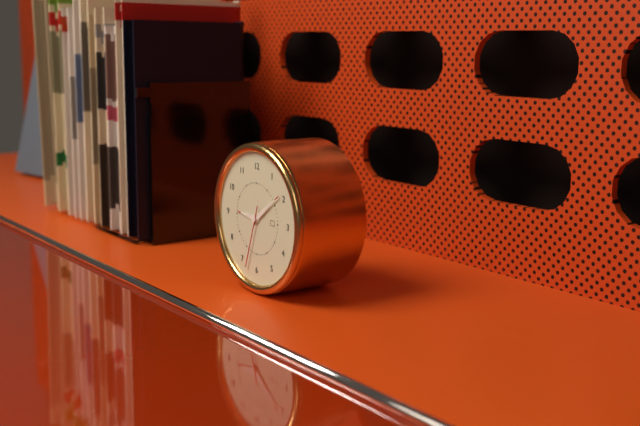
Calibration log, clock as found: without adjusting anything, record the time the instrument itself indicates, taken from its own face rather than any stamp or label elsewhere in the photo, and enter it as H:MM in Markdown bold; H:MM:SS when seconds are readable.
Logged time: **9:09:33**
